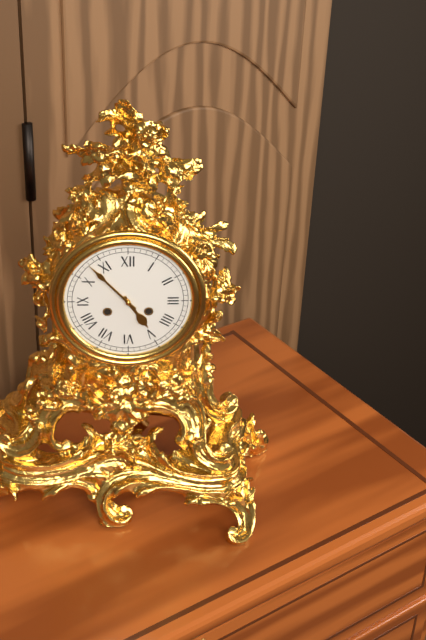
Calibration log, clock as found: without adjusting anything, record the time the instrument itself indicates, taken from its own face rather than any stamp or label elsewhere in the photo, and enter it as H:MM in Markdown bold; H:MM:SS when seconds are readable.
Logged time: **4:53**
